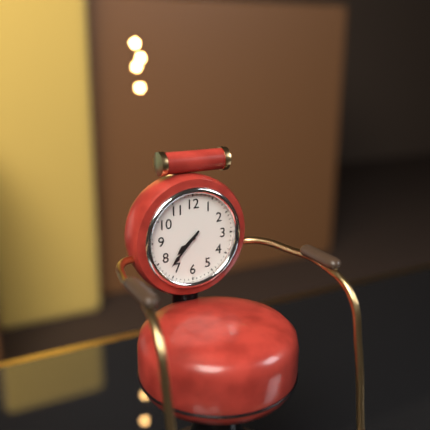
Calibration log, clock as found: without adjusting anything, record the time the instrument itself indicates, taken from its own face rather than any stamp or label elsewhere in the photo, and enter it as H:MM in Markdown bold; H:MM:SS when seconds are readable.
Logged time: **7:37**
